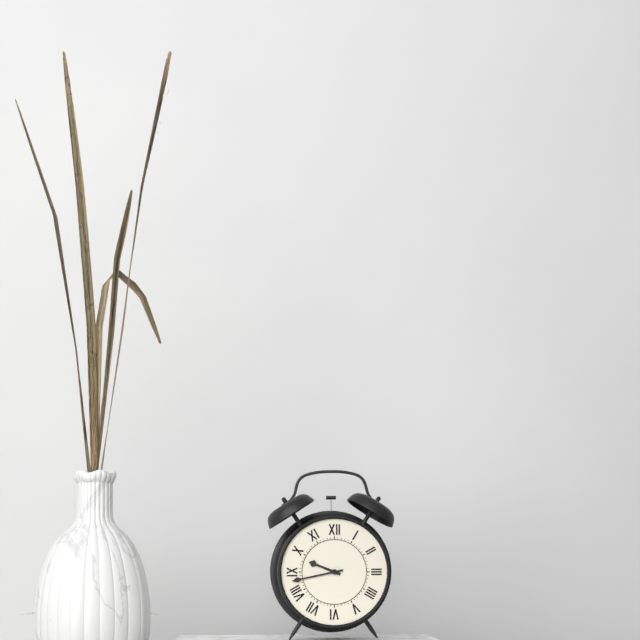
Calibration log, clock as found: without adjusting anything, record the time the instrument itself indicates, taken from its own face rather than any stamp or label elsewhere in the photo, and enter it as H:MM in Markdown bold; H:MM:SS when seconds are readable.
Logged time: **9:43**
